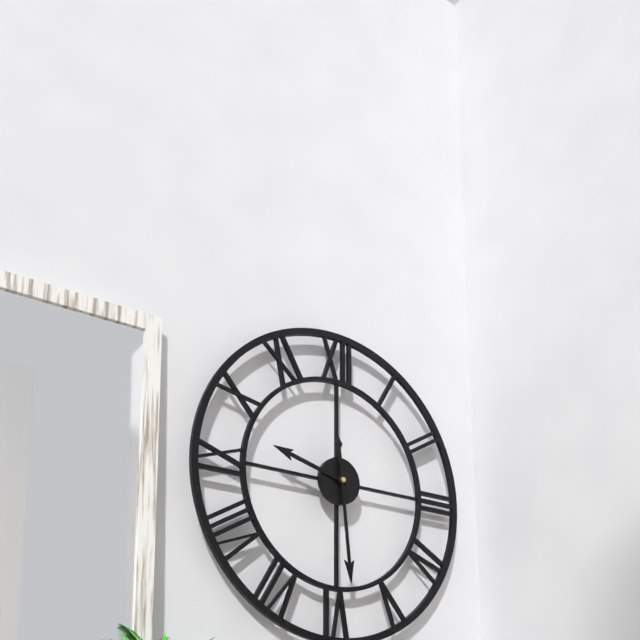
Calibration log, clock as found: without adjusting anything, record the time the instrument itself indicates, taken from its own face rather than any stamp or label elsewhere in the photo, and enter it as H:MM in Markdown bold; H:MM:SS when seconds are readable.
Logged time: **9:29**
